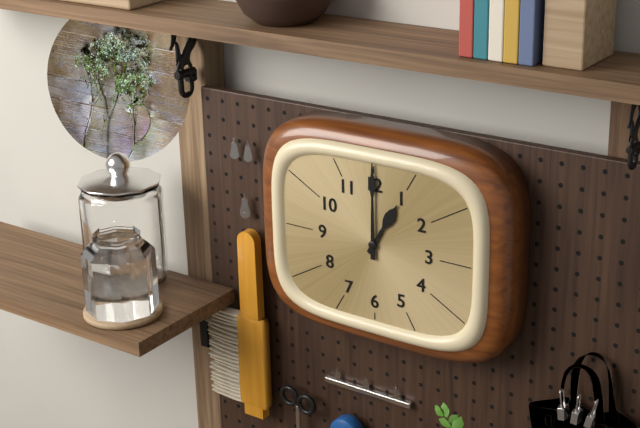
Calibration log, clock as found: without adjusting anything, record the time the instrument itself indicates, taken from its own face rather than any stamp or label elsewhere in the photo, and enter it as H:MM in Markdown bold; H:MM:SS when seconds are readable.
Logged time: **1:00**
